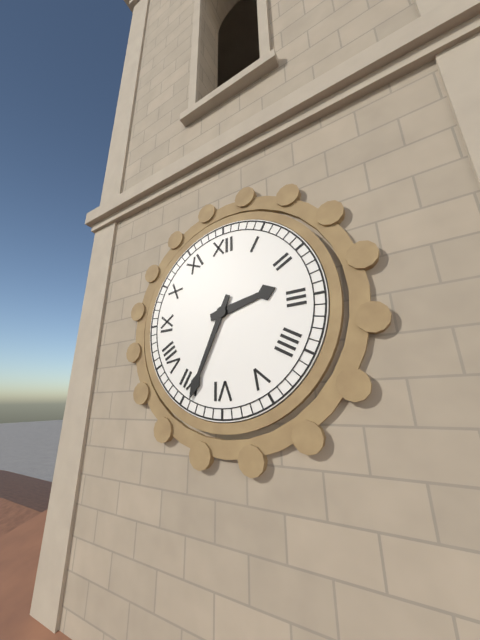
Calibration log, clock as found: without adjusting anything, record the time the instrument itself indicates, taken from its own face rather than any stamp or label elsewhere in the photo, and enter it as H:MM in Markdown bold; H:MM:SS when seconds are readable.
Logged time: **2:34**
